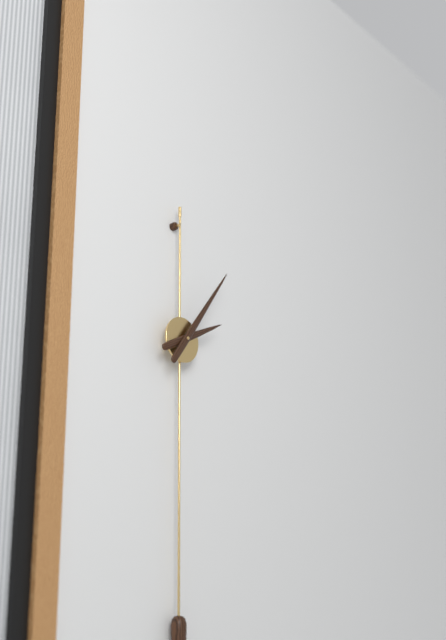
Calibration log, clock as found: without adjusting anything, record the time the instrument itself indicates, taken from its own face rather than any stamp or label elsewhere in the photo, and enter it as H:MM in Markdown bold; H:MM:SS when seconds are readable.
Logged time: **2:06**
